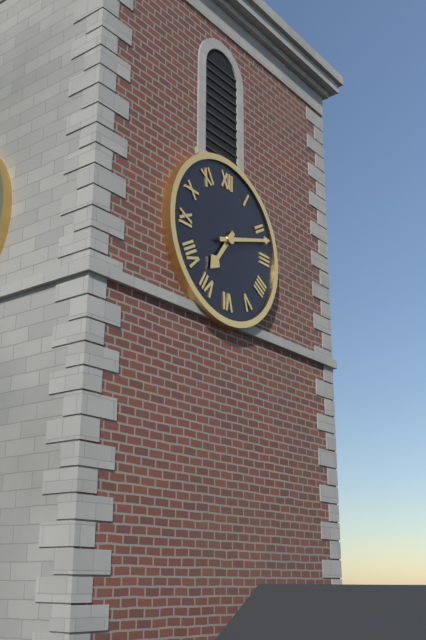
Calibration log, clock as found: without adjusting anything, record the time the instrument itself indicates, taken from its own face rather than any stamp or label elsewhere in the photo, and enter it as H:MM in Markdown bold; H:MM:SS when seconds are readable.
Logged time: **7:12**
